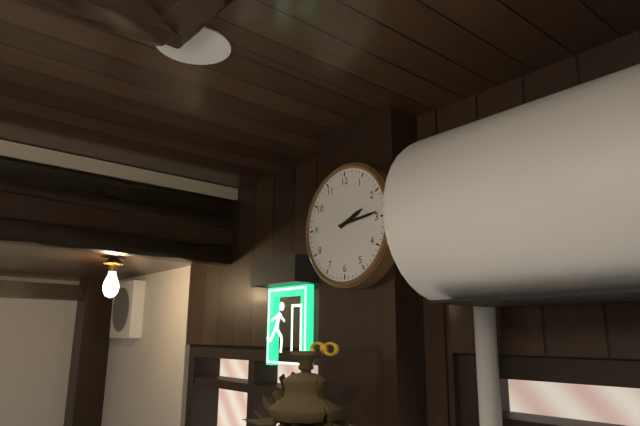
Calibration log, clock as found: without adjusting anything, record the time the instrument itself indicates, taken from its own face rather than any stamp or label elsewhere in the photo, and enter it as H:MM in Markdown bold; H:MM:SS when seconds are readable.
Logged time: **2:14**
